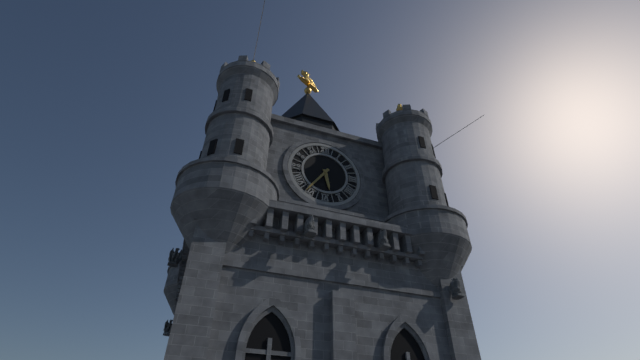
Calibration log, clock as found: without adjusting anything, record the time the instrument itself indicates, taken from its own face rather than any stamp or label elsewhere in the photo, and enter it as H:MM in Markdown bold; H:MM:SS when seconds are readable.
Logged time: **5:36**
